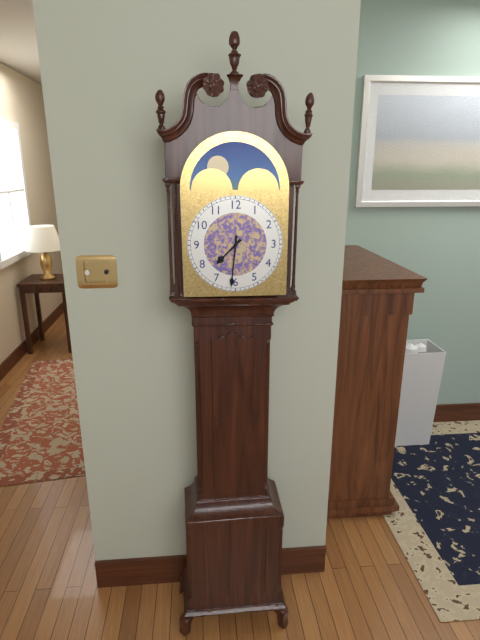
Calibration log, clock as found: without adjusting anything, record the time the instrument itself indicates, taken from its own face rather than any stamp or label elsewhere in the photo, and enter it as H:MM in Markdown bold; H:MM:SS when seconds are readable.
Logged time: **7:31**
